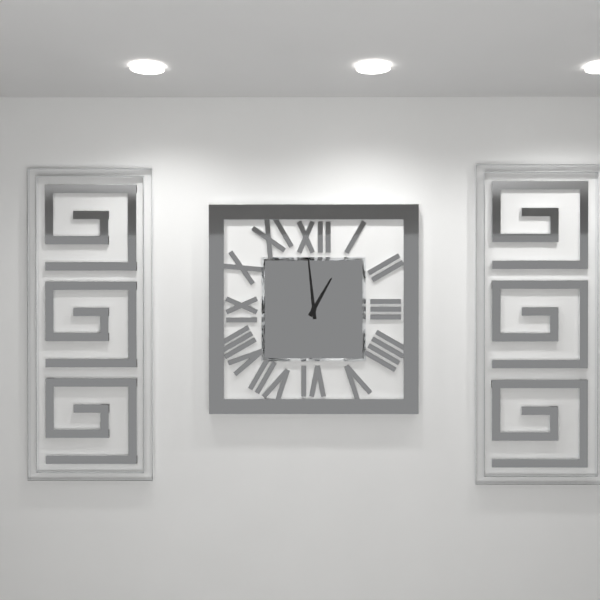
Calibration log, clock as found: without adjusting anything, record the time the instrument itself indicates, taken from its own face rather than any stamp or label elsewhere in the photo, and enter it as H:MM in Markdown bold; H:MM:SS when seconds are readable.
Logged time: **12:59**
